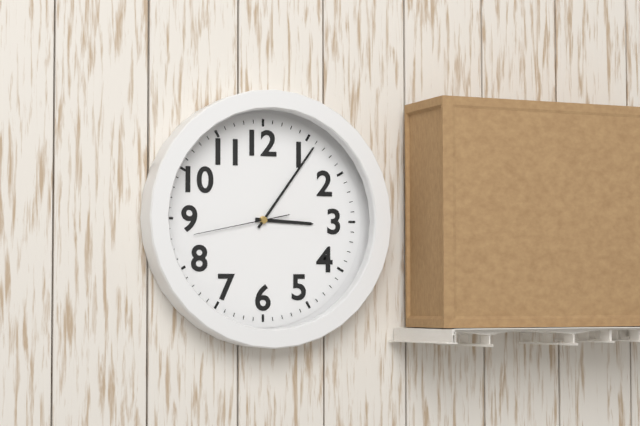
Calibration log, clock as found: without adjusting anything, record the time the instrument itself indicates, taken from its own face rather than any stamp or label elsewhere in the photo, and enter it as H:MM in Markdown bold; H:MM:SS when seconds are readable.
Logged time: **3:06:43**
